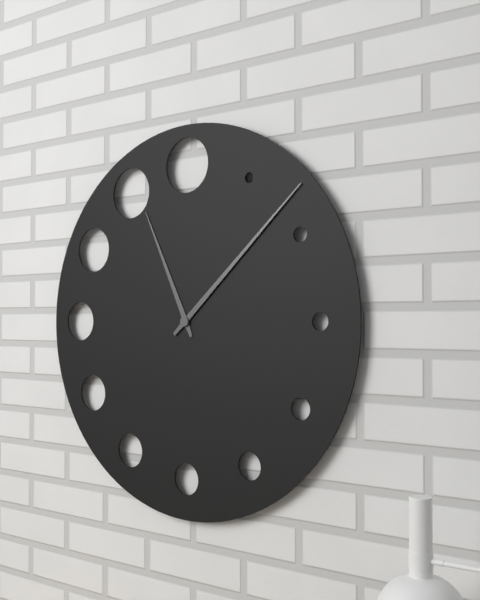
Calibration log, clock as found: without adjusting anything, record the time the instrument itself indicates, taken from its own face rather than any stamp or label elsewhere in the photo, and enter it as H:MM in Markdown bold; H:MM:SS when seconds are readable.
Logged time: **11:08**
